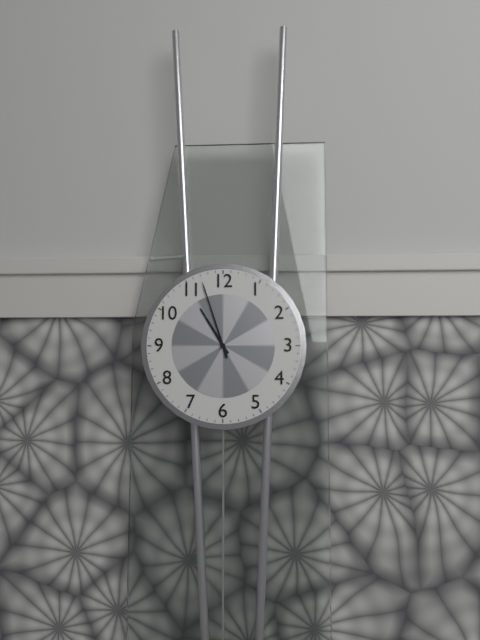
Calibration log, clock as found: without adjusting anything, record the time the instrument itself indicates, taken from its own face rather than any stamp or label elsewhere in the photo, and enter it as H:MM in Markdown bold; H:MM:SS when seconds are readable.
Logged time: **10:57**
